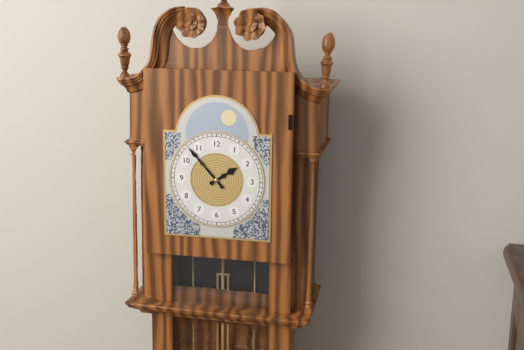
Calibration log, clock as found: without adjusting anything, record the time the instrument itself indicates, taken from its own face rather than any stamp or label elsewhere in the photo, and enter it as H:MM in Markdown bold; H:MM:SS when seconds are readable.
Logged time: **1:53**
